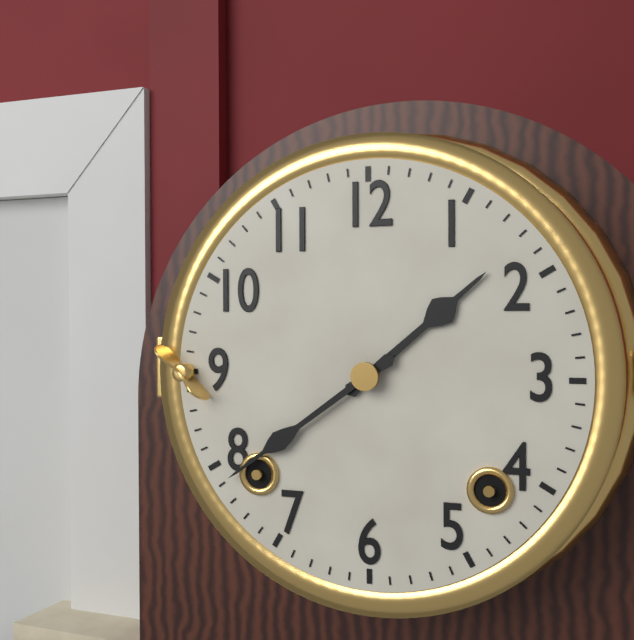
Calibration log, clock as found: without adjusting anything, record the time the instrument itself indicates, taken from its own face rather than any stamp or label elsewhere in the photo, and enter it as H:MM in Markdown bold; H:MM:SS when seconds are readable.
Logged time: **1:39**
